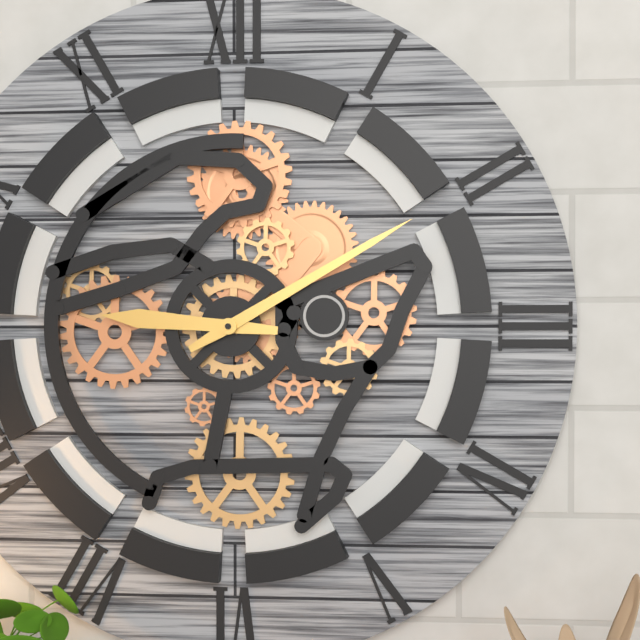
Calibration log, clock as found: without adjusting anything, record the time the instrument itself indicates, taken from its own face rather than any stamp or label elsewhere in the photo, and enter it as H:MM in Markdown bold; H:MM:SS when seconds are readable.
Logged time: **9:10**
